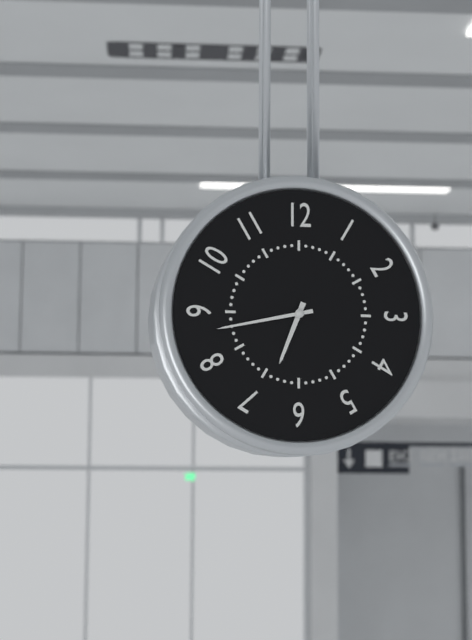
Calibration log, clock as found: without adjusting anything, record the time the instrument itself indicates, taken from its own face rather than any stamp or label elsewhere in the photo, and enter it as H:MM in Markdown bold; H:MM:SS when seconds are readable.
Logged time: **6:43**
